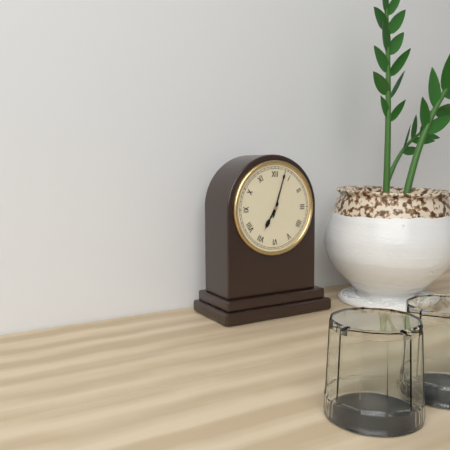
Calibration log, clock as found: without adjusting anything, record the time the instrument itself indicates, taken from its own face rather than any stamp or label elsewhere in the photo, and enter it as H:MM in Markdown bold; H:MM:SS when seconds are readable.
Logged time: **7:03**
